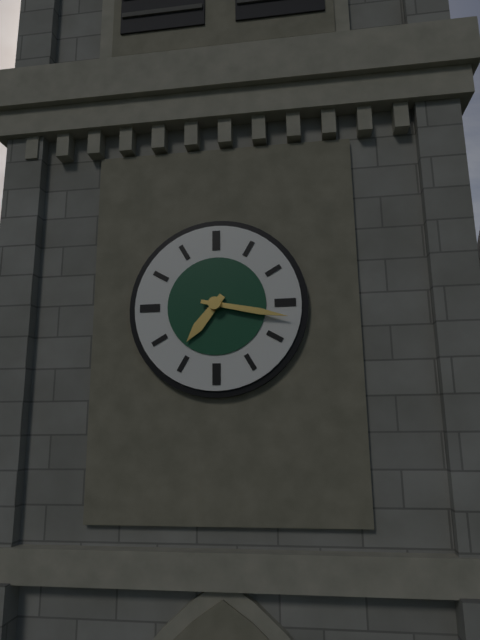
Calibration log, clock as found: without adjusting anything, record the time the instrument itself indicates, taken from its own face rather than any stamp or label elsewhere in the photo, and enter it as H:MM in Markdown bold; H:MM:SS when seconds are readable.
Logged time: **7:17**
